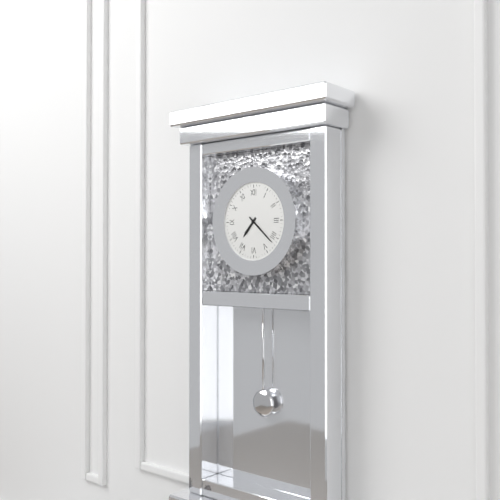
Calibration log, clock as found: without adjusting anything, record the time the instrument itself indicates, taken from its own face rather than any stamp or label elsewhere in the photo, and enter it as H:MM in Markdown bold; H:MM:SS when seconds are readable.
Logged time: **7:22**
